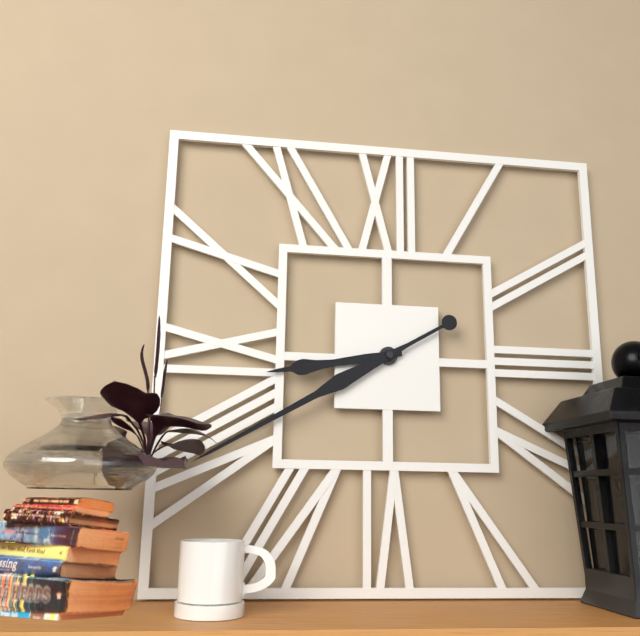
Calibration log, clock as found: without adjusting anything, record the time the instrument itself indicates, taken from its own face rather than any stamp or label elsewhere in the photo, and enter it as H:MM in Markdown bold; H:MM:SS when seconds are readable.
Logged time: **8:40**
